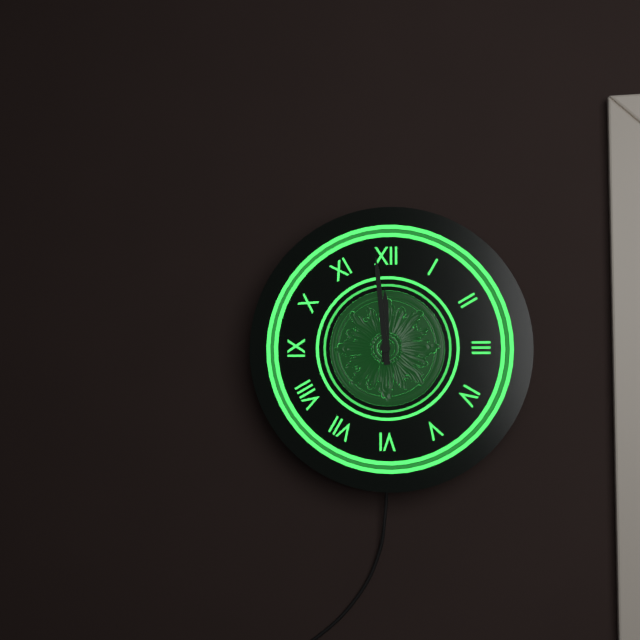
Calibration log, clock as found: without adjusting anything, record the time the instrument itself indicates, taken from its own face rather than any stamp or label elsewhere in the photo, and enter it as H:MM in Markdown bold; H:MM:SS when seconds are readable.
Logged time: **11:59**
